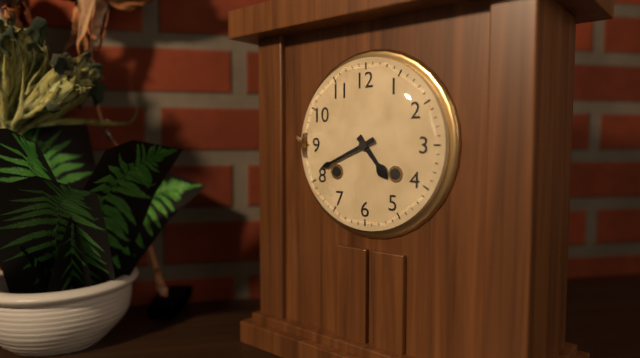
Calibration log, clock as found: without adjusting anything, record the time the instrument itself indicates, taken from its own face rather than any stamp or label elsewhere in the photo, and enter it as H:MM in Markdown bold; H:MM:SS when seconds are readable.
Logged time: **4:41**
